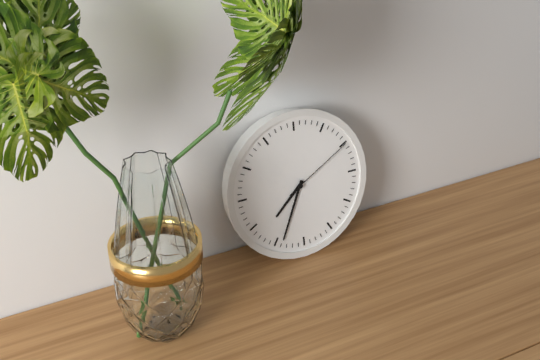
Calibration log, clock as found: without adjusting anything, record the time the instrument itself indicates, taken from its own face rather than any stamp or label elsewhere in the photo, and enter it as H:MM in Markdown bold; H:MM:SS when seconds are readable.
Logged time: **7:34:10**
